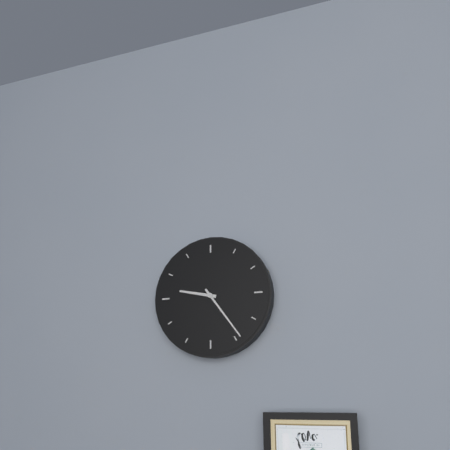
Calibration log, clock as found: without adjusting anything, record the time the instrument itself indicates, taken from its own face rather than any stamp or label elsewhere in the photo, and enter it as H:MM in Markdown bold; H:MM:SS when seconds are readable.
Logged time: **9:24**
